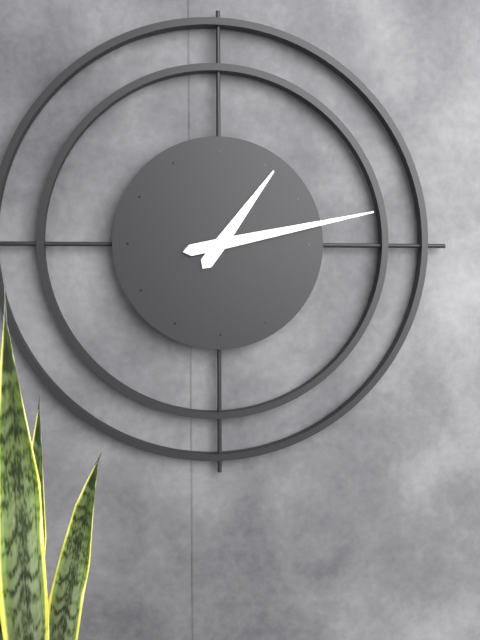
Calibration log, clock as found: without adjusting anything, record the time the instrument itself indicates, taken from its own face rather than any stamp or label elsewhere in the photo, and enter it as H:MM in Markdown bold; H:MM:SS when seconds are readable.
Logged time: **1:13**
